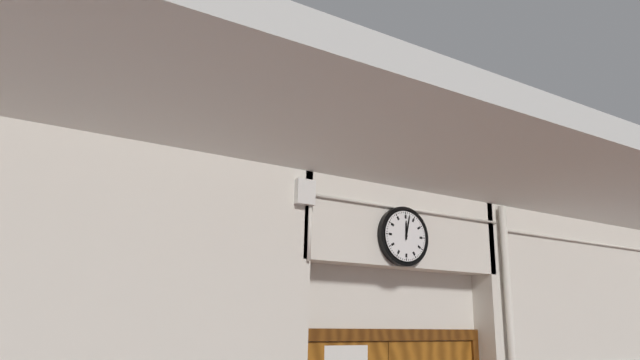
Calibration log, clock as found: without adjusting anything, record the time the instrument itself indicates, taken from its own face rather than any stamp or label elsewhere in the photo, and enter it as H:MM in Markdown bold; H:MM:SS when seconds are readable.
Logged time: **12:02**
